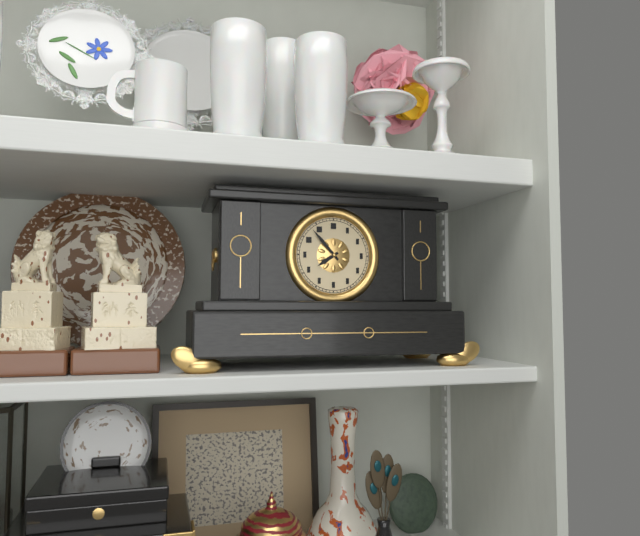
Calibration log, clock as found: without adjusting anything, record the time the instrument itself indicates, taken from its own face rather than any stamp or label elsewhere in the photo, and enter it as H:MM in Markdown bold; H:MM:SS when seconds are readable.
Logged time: **7:53**
